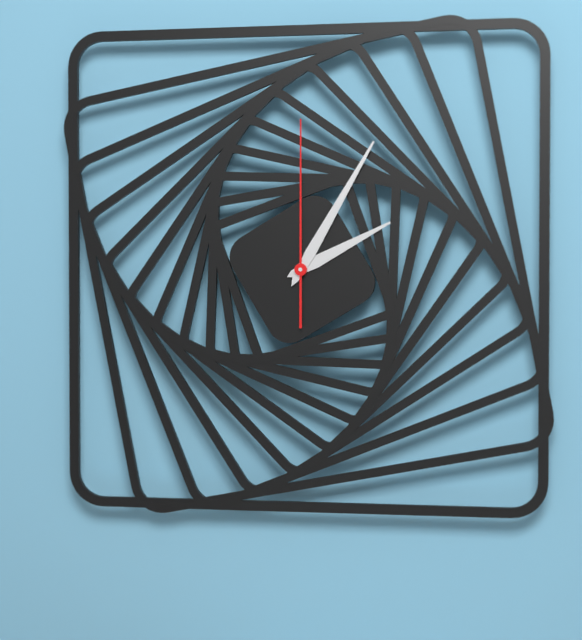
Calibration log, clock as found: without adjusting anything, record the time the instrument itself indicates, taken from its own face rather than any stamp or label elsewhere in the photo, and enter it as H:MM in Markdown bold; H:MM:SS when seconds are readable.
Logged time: **2:05:00**
